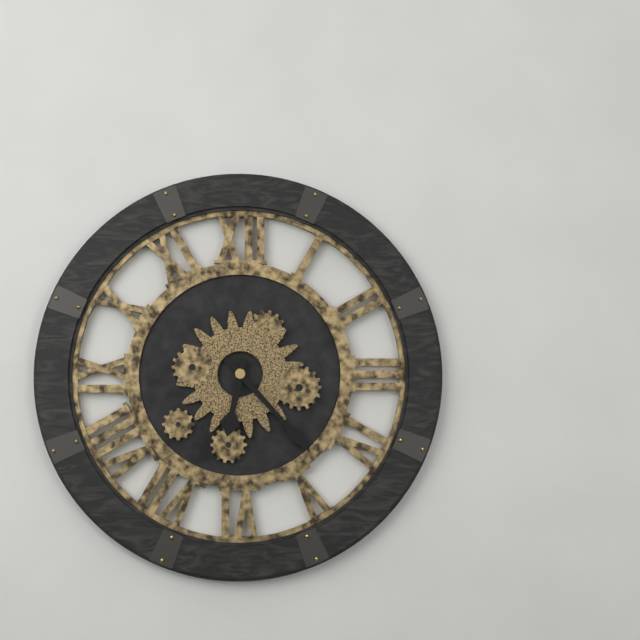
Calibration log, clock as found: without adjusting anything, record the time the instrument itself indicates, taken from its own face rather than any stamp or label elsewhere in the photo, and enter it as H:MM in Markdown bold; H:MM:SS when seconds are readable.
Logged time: **6:23**
